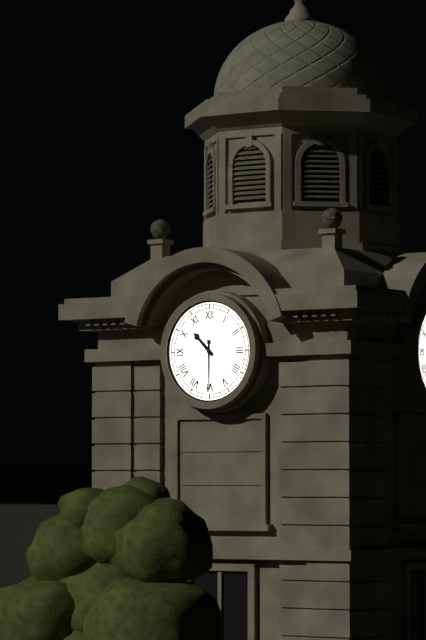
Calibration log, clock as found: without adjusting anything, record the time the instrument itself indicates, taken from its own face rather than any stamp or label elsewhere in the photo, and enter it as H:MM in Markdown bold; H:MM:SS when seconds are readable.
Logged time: **10:30**
